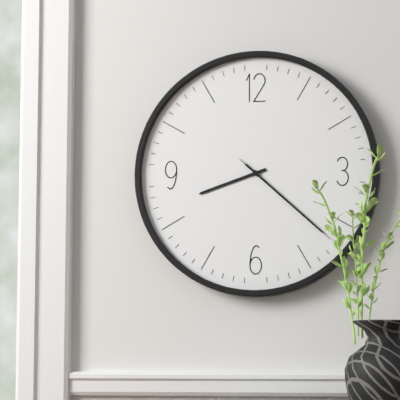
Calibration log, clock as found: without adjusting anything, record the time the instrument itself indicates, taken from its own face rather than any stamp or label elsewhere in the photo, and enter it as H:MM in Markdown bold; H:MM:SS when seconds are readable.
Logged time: **8:22:22**
